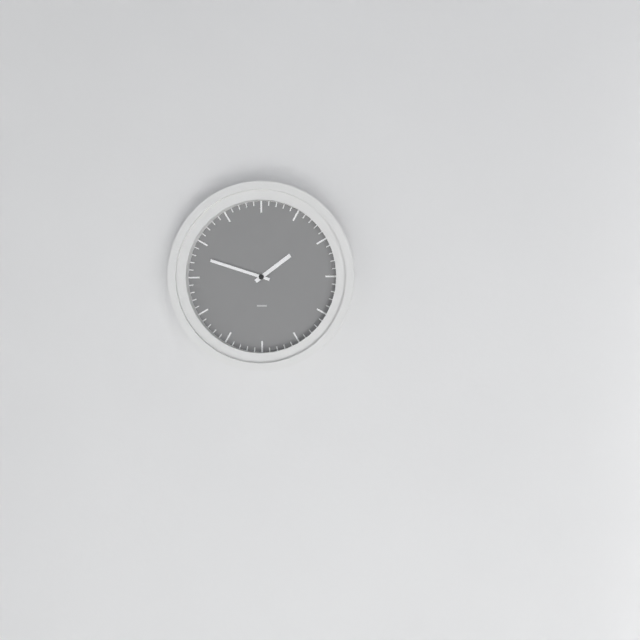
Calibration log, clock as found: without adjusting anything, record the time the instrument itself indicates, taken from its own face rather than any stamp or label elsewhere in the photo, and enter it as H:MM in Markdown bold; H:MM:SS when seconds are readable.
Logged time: **1:48**
